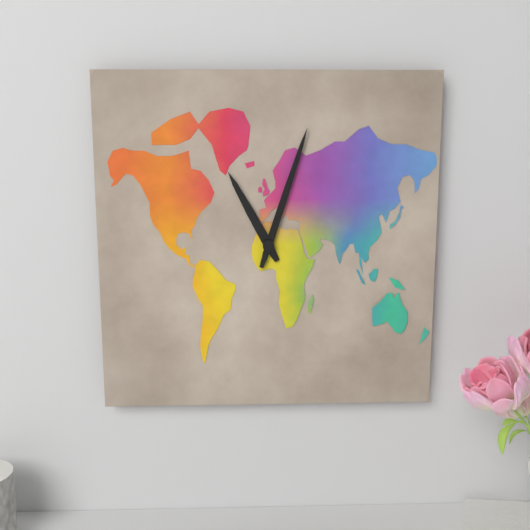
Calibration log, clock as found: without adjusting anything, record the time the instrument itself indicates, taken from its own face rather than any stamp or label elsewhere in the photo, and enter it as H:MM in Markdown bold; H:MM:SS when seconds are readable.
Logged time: **11:03**
